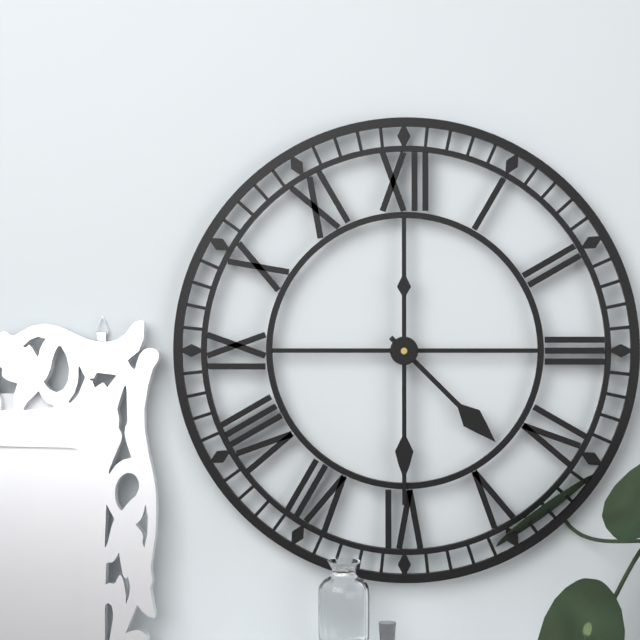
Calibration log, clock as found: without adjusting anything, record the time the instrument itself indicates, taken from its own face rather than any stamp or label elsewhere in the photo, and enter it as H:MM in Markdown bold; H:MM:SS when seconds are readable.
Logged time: **4:30**
